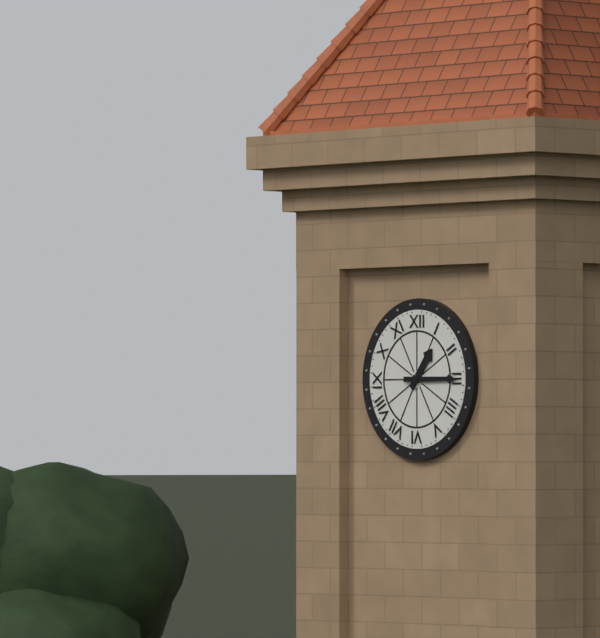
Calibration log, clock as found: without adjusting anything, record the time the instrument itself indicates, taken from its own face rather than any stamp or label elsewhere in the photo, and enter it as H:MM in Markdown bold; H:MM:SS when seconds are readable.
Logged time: **1:15**
